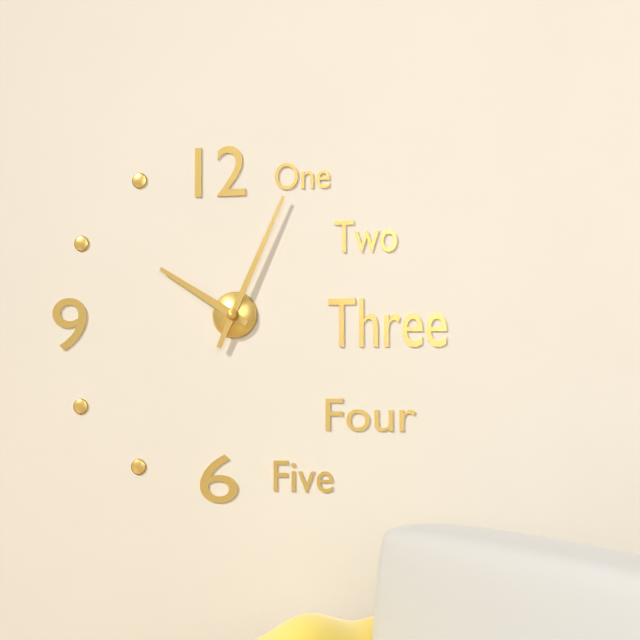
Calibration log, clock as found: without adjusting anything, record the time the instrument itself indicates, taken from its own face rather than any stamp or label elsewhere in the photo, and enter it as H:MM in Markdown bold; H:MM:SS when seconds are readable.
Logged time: **10:04**
